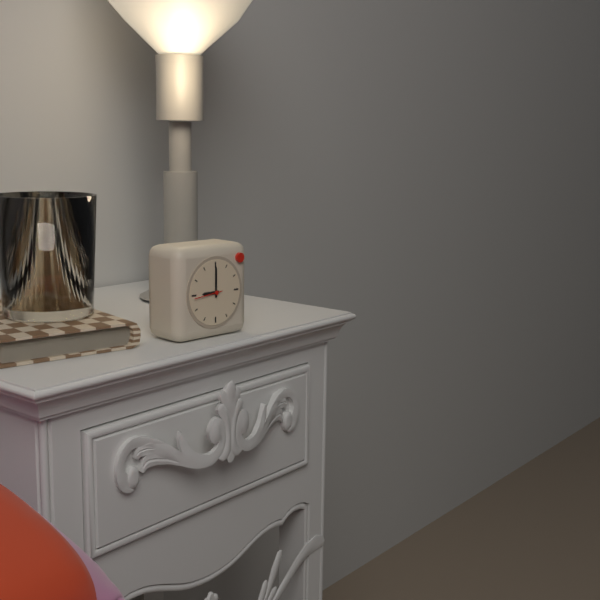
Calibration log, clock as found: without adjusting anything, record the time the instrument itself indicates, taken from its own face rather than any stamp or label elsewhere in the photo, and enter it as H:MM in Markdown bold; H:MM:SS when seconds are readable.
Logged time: **9:00**
